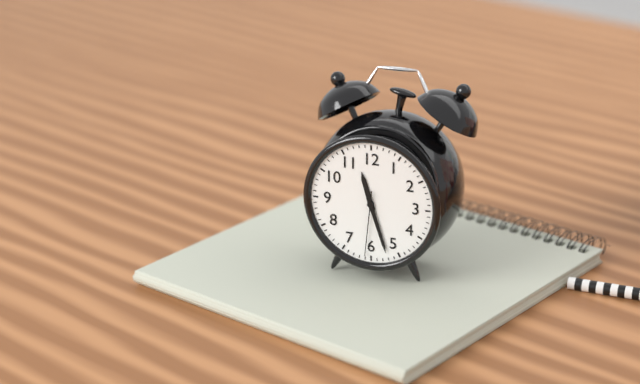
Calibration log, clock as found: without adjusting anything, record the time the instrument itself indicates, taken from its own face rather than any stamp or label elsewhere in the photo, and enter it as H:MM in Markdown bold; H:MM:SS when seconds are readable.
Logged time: **11:27:31**
